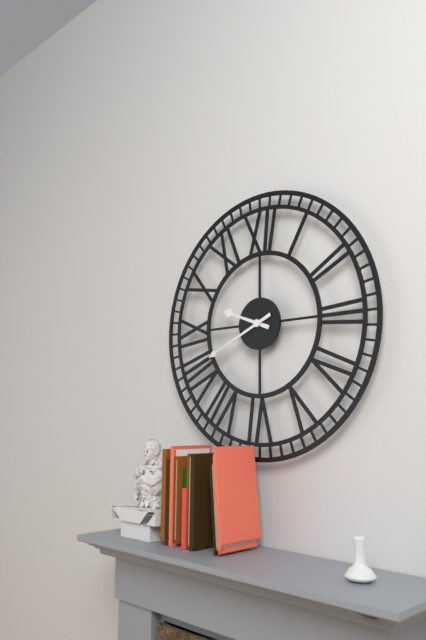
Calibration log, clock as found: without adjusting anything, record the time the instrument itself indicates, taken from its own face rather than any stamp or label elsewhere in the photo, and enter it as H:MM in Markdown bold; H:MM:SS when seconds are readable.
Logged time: **9:41**
